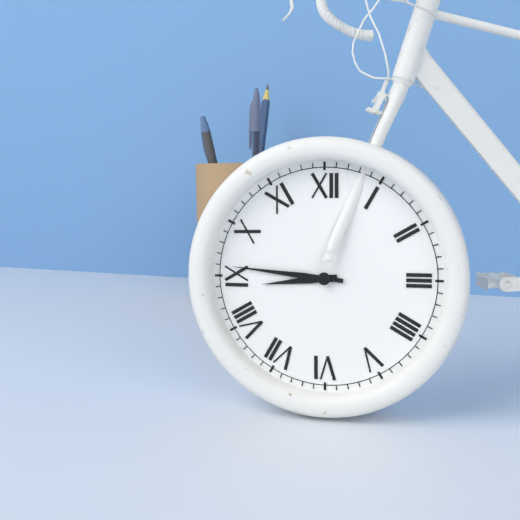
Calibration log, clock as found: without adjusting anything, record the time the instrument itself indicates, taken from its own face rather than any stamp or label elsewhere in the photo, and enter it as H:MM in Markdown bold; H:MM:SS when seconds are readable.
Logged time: **8:46**
